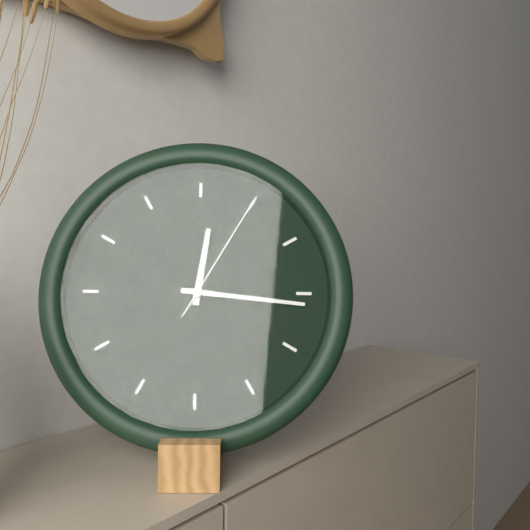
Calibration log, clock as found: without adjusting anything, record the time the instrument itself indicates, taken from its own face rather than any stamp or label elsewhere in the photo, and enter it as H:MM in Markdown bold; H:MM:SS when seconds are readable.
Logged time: **12:16:05**
